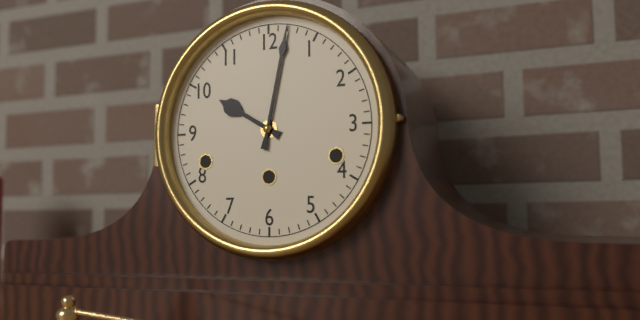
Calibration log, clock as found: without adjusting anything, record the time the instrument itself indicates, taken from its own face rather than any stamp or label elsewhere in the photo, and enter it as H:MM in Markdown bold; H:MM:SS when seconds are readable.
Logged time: **10:02**
